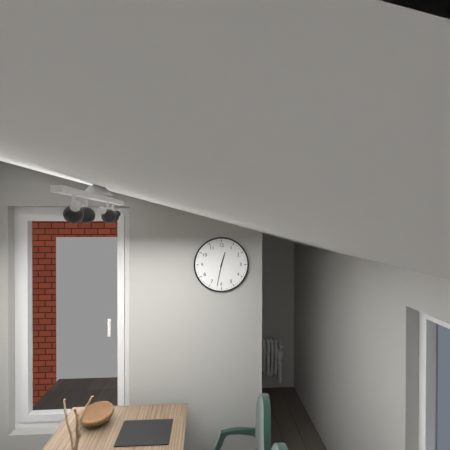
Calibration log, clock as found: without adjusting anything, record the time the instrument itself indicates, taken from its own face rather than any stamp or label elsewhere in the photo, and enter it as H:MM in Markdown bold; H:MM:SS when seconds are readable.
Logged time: **12:32**
